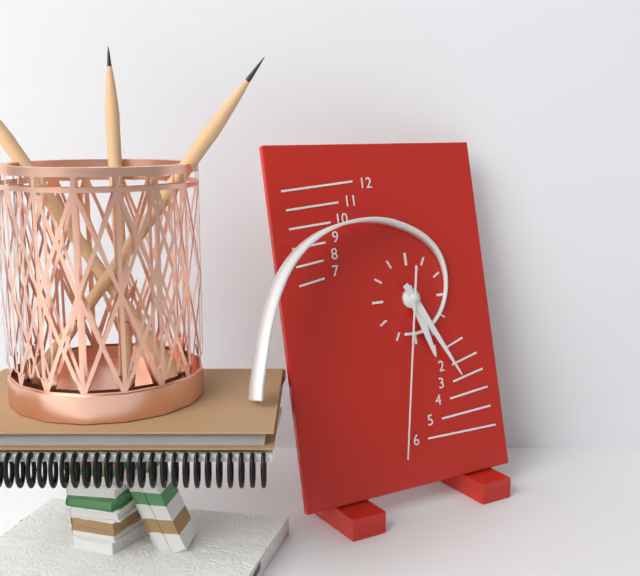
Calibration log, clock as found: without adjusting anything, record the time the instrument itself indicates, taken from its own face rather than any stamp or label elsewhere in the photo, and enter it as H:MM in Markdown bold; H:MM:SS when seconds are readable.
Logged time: **5:25:32**
